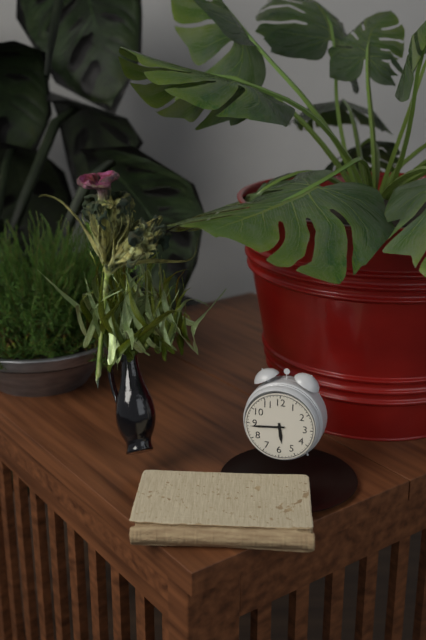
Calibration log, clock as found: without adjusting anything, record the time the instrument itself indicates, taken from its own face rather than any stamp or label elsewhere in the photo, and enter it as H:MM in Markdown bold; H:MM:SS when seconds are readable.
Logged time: **5:44**
